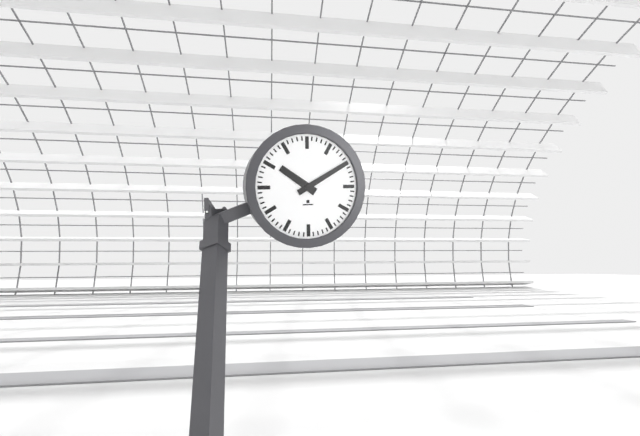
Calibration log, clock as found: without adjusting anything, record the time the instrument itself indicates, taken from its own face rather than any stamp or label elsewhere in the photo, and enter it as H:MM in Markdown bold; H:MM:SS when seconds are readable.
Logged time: **10:10**
